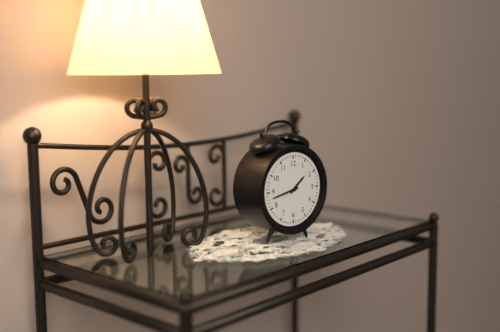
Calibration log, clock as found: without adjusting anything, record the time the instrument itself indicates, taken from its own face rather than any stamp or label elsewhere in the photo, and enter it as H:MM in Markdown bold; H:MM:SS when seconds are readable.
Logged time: **1:43**
